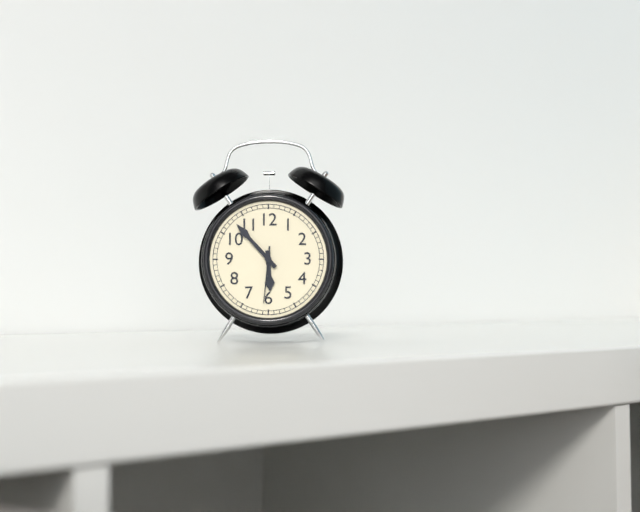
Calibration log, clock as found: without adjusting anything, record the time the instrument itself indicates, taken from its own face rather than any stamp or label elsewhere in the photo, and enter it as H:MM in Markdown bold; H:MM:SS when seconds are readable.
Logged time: **5:53:31**
